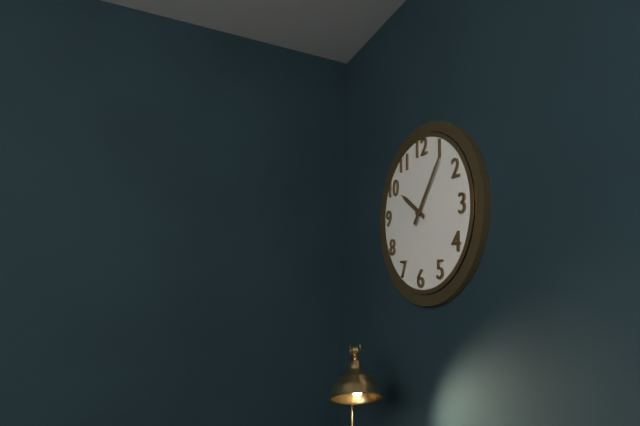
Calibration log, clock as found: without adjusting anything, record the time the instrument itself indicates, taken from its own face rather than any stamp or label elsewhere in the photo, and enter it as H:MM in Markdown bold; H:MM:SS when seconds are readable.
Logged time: **10:06**
